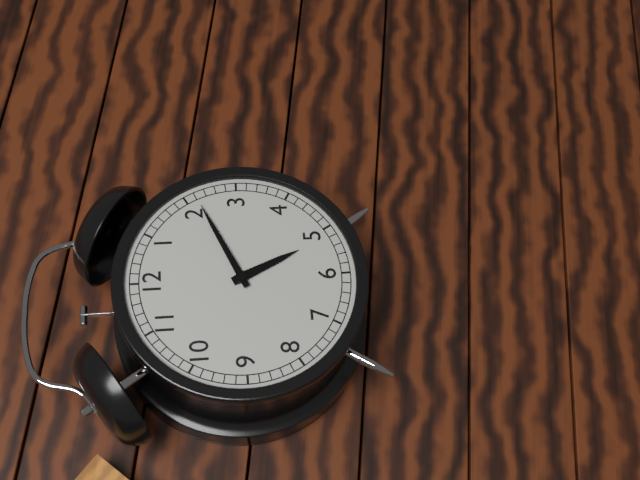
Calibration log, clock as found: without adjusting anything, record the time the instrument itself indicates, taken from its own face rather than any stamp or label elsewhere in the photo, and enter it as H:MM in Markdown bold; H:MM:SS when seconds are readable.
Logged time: **5:11**
